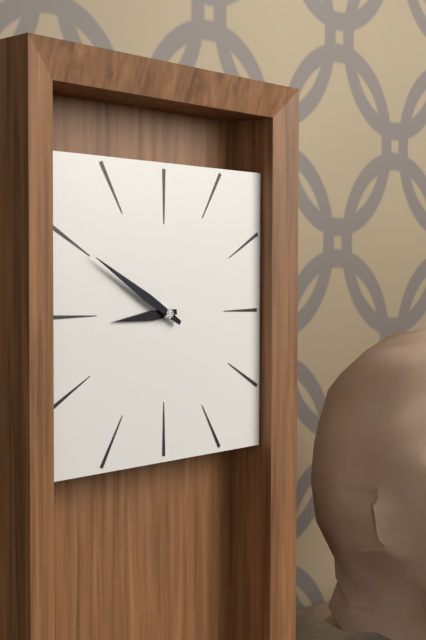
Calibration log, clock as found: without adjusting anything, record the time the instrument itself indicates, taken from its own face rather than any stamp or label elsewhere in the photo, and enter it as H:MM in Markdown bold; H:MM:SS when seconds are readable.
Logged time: **8:50**
